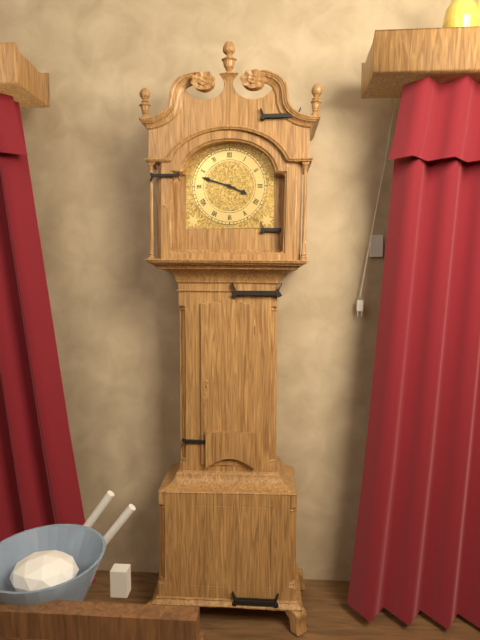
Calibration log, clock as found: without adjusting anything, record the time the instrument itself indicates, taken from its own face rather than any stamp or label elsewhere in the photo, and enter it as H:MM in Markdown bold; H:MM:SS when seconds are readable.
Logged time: **3:48**
